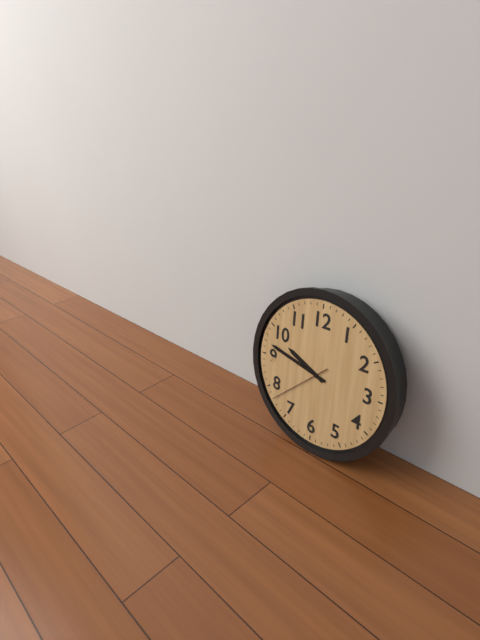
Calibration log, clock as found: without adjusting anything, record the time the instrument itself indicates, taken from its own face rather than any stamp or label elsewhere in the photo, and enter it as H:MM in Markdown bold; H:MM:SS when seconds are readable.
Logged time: **9:47:38**
